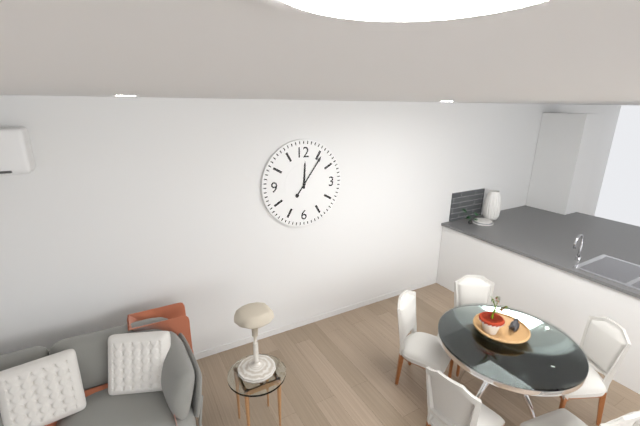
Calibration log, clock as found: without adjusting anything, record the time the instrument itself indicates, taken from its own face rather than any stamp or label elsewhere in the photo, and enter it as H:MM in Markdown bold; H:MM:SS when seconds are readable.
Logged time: **12:06**
